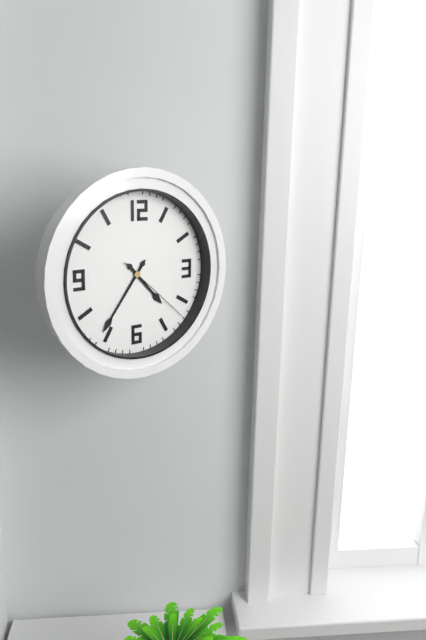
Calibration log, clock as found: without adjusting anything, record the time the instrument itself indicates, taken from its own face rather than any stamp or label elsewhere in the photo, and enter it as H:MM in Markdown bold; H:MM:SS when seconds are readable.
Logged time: **4:36:22**
